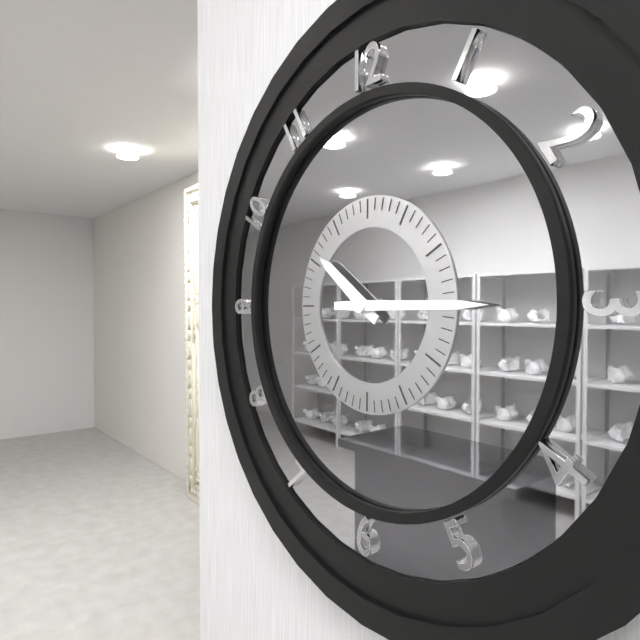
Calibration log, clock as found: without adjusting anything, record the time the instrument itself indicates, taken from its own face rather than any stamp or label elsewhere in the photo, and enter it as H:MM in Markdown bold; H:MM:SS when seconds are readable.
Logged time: **10:15**
